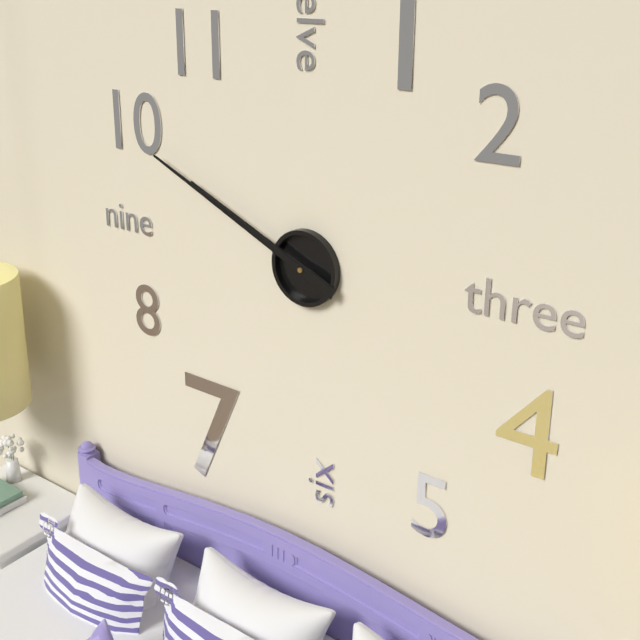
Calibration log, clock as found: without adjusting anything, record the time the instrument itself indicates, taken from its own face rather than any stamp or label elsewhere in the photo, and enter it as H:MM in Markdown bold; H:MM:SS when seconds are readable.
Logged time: **9:49**
